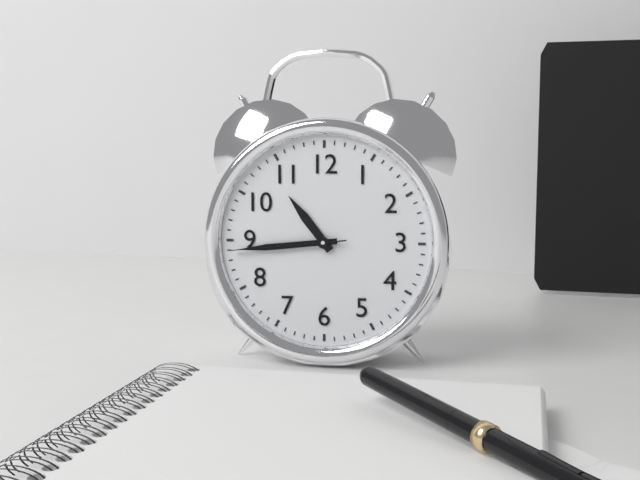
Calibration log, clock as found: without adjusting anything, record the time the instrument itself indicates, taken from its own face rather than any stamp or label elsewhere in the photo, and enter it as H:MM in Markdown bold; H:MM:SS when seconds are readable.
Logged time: **10:44:44**
